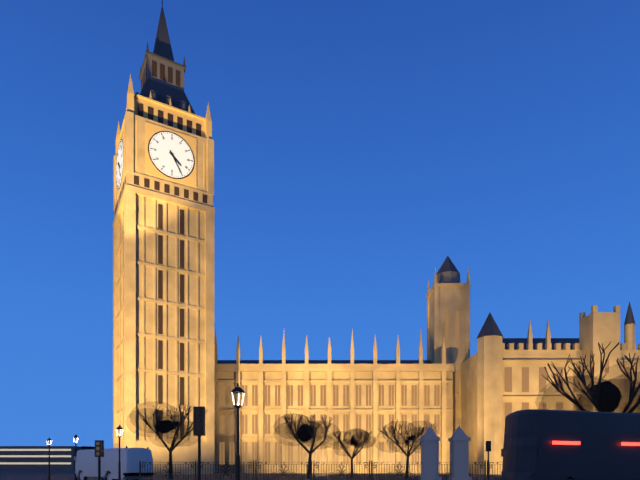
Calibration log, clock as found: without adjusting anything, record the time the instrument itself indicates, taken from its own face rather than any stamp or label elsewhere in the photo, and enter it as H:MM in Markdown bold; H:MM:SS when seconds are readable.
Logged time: **4:25**
